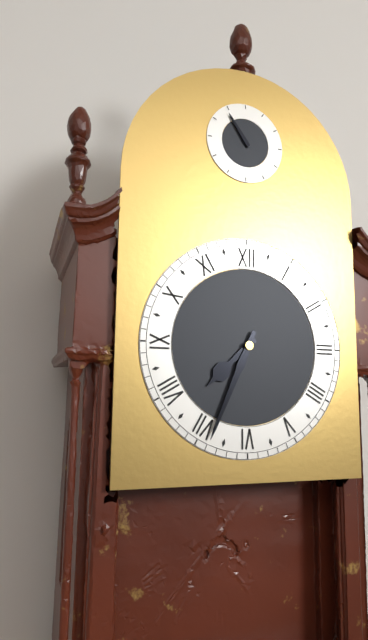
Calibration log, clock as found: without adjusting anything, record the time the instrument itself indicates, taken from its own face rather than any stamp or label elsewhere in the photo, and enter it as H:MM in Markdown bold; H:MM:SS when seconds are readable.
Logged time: **7:34**
